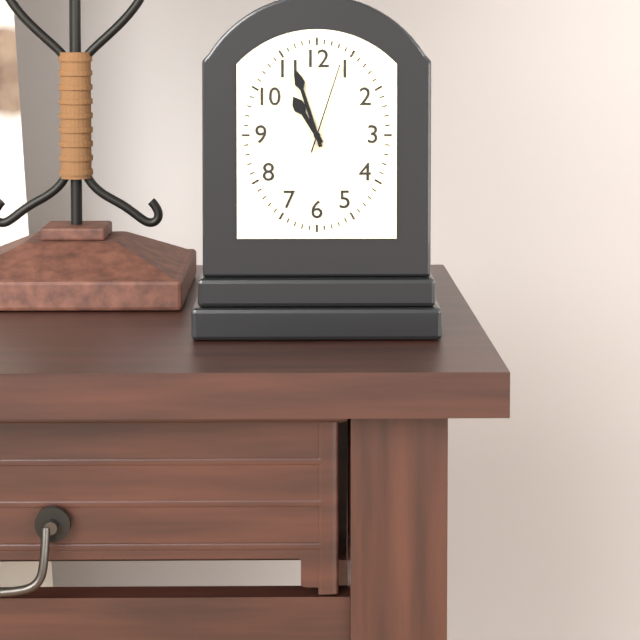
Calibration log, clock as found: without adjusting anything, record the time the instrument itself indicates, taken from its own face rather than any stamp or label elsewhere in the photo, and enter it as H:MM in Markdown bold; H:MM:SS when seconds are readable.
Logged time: **10:57:03**
